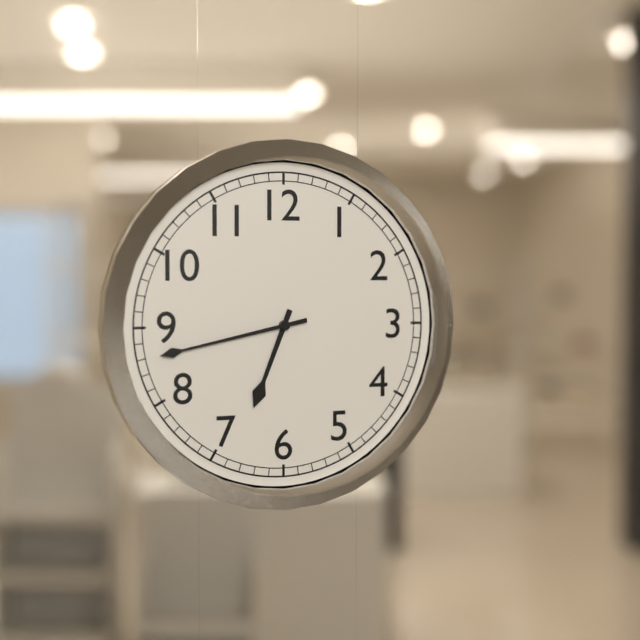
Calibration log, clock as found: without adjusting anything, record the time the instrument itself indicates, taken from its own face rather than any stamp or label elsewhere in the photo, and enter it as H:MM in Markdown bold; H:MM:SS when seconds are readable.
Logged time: **6:43**
